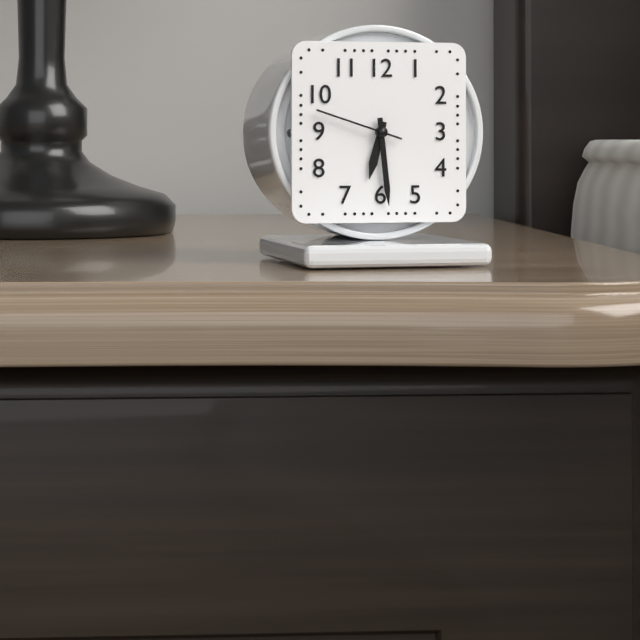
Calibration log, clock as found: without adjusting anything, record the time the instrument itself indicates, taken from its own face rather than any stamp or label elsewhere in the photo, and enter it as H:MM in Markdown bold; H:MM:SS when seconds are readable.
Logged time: **6:29:48**
